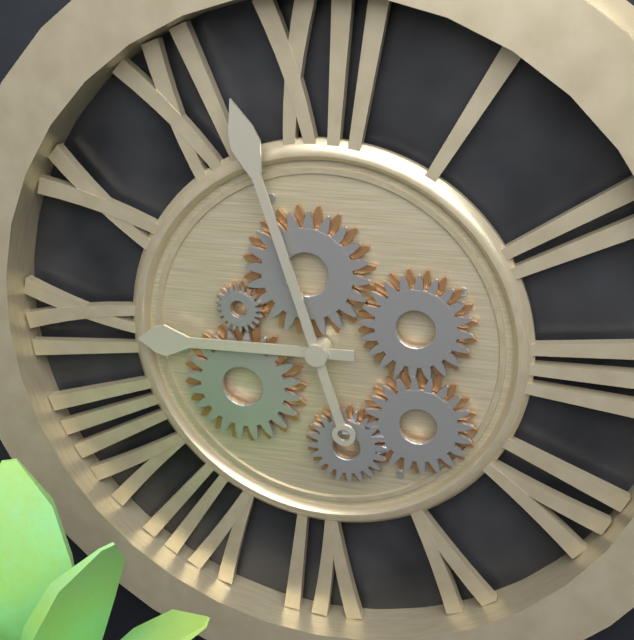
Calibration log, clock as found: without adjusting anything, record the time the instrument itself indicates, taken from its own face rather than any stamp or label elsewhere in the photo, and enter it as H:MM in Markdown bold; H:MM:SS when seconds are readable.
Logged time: **8:57**
